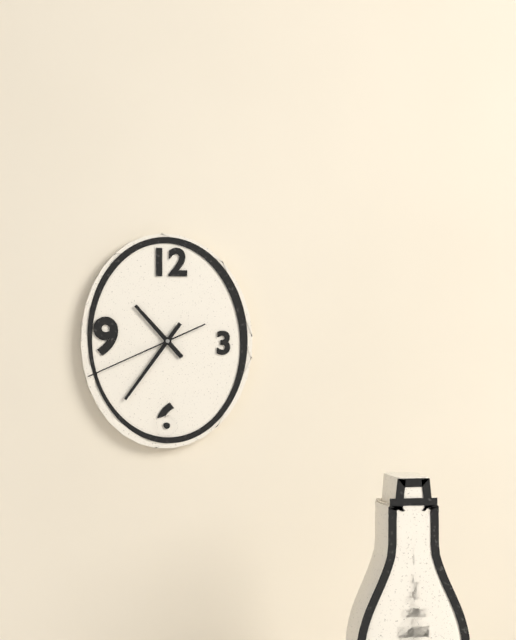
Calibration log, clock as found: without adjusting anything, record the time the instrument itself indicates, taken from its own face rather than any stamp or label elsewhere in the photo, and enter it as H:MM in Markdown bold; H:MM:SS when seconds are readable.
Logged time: **10:36:41**
